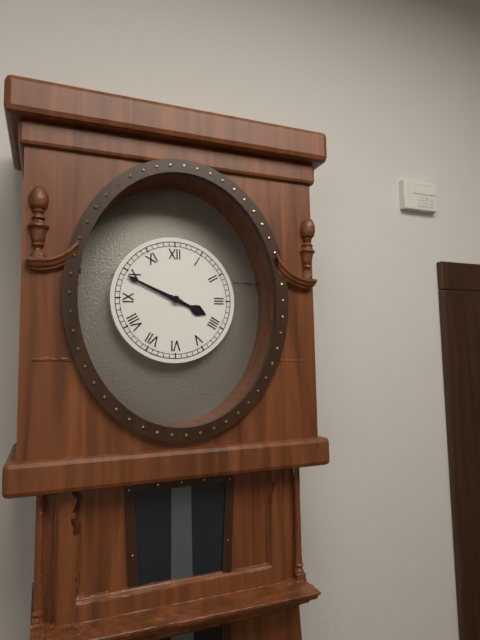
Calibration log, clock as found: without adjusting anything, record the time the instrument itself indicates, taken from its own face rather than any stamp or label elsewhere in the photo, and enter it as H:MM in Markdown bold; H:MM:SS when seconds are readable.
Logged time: **3:49**
